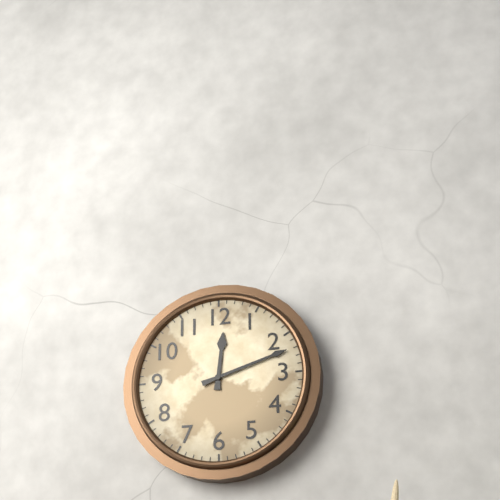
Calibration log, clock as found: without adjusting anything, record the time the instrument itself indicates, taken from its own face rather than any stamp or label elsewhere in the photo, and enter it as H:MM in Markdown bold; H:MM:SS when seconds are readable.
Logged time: **12:12**
